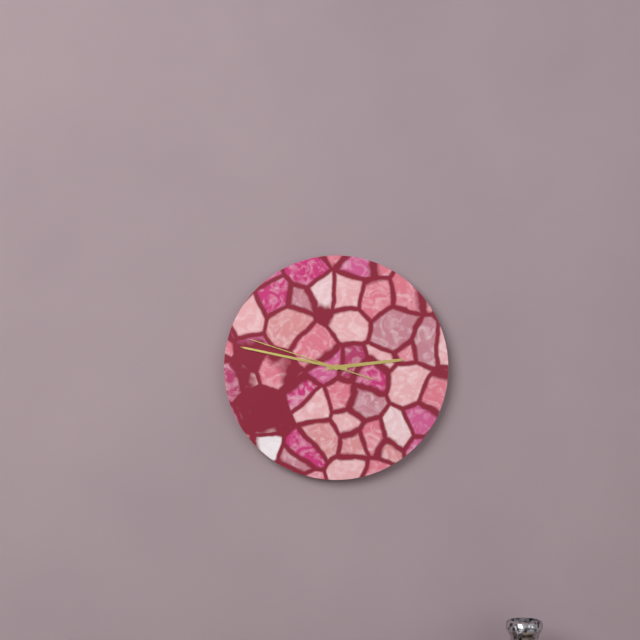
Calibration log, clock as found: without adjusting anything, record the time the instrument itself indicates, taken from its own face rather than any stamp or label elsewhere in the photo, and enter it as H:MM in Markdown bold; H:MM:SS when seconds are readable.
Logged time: **2:47:48**
